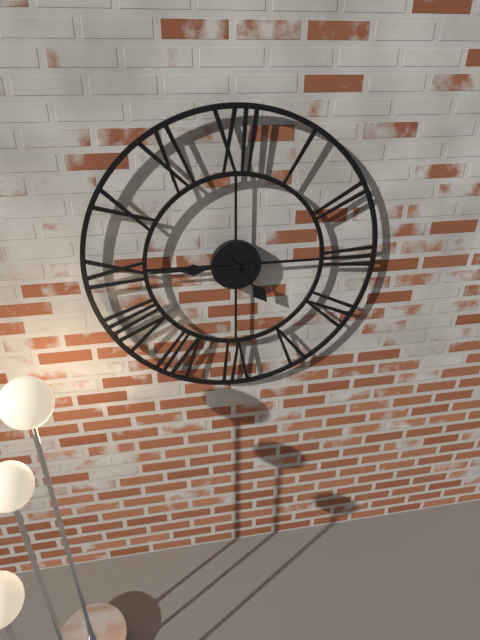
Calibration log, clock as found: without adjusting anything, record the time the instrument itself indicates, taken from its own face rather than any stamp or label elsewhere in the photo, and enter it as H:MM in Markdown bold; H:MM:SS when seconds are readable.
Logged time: **4:45**
